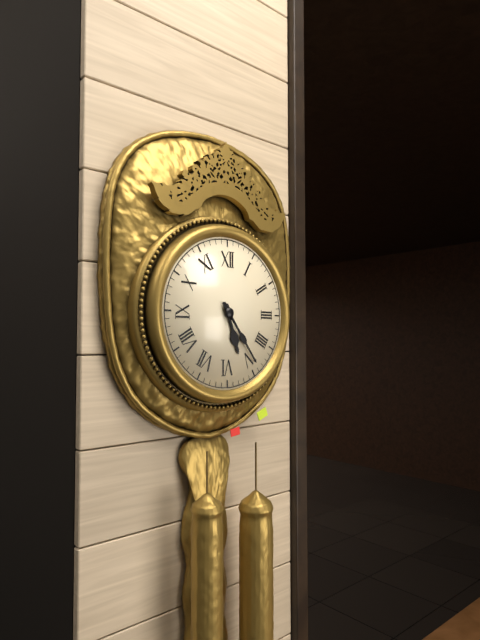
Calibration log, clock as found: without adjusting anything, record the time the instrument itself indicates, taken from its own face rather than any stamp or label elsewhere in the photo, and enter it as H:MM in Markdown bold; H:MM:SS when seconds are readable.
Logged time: **5:24**
